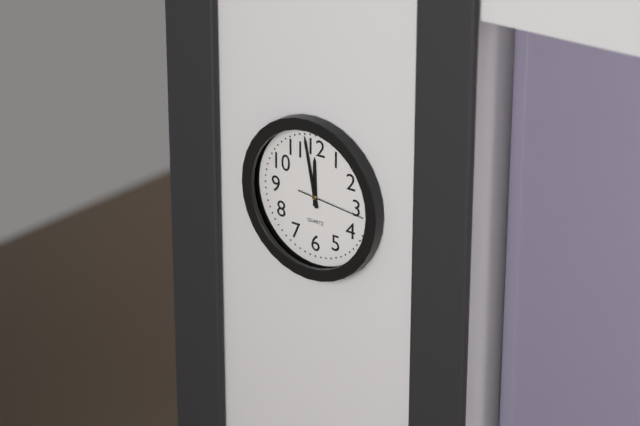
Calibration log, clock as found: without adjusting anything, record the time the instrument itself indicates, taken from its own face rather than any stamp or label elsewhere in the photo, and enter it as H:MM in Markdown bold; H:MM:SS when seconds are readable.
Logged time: **11:58:16**
